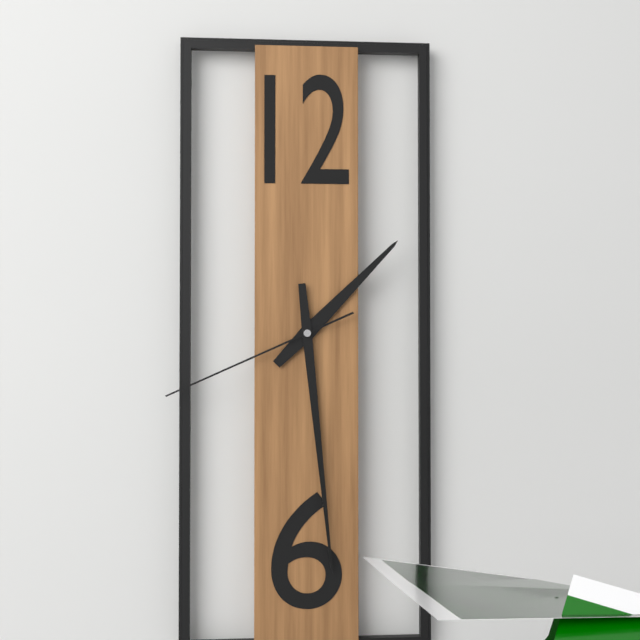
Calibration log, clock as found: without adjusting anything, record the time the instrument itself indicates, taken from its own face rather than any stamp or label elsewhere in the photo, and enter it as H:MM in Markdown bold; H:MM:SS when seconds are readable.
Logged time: **1:29:41**
